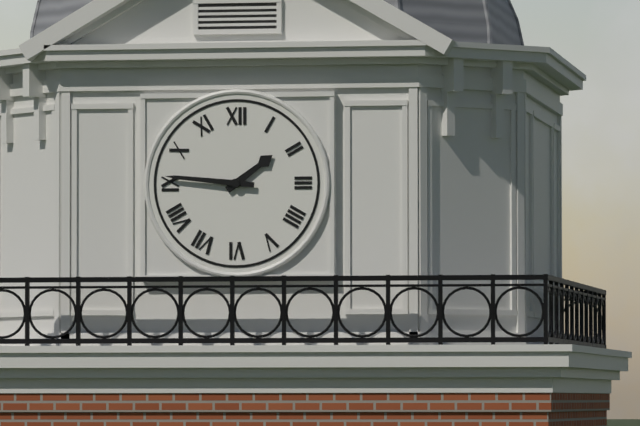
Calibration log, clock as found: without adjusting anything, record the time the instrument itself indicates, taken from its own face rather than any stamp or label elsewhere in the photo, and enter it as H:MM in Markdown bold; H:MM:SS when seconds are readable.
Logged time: **1:46**
